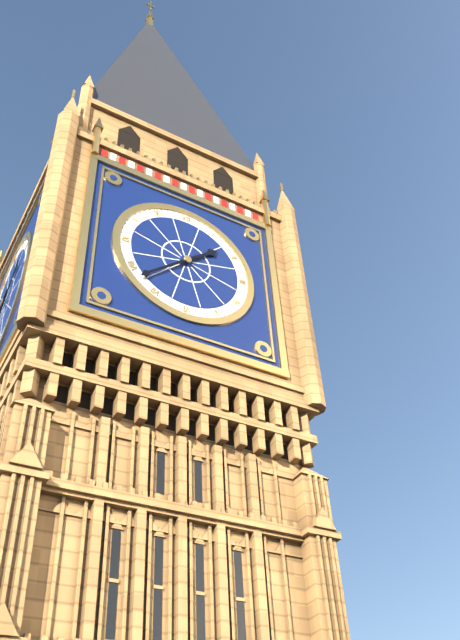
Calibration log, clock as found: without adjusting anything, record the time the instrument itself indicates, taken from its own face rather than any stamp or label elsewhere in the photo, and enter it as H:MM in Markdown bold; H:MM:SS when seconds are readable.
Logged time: **1:38**
